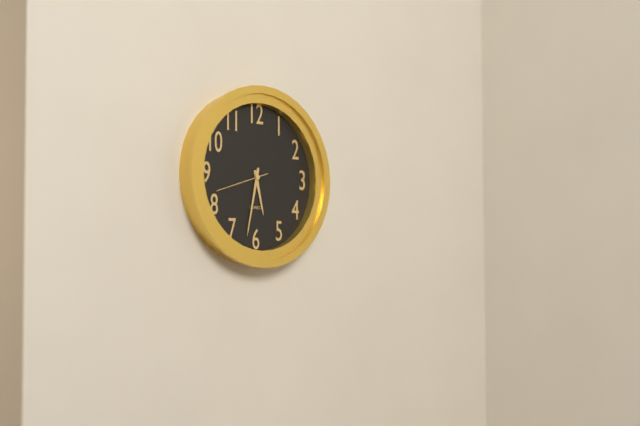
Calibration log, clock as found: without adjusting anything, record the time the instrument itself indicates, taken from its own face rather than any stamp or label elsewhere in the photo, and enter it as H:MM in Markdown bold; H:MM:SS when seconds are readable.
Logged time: **5:32:42**
